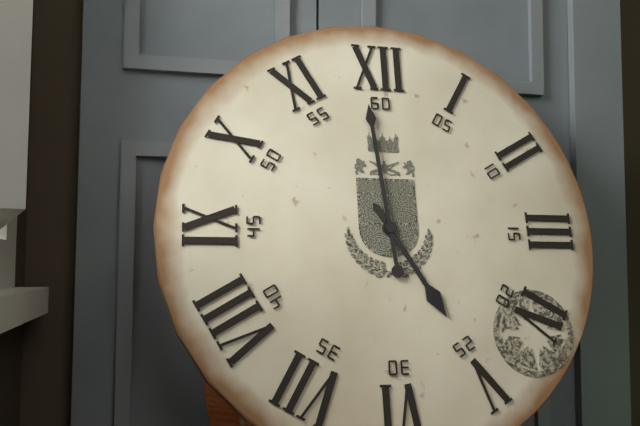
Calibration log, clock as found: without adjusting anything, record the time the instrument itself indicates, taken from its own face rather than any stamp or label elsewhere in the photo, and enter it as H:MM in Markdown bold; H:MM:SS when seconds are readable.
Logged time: **4:59**
